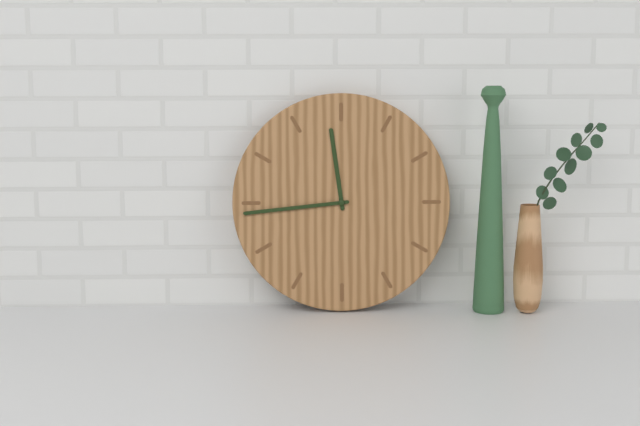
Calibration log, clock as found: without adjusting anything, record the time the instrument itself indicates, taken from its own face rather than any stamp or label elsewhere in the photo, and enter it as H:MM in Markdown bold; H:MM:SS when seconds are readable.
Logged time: **11:44**
